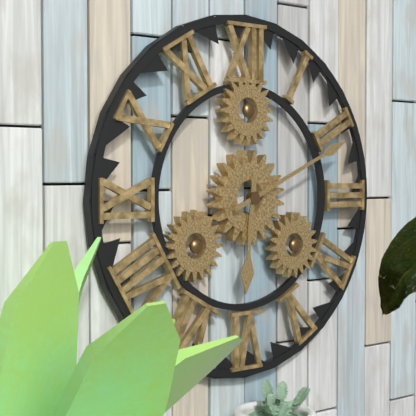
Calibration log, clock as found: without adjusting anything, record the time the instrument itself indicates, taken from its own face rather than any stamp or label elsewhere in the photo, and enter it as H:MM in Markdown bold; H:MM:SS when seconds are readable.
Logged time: **6:11**
